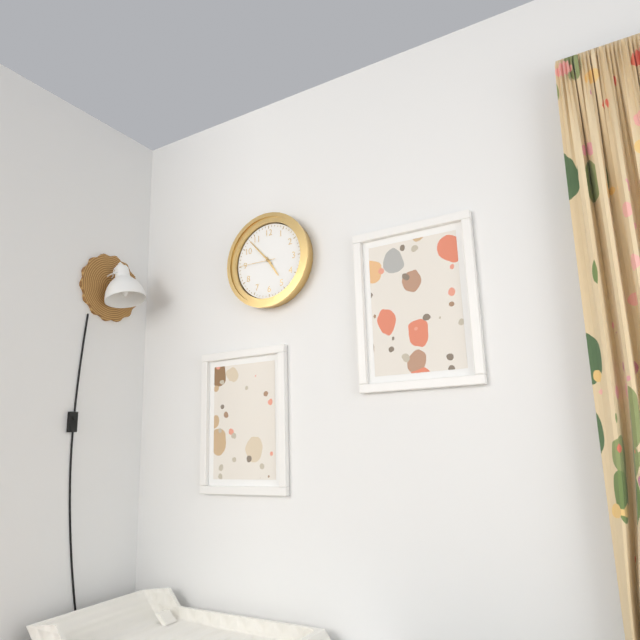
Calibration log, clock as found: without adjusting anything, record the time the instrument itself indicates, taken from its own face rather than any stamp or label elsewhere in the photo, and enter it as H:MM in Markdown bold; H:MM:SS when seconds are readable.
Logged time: **4:53**
